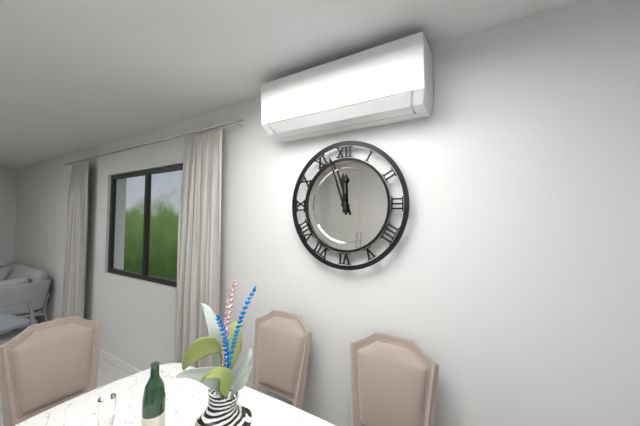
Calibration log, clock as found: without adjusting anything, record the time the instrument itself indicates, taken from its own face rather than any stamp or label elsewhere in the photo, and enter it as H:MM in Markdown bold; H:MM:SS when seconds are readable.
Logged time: **11:57**
